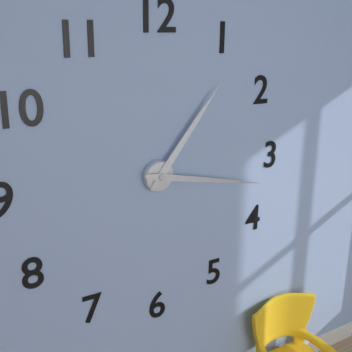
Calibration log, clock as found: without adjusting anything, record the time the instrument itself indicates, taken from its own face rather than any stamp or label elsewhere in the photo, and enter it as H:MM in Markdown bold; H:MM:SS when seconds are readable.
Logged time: **1:17**
